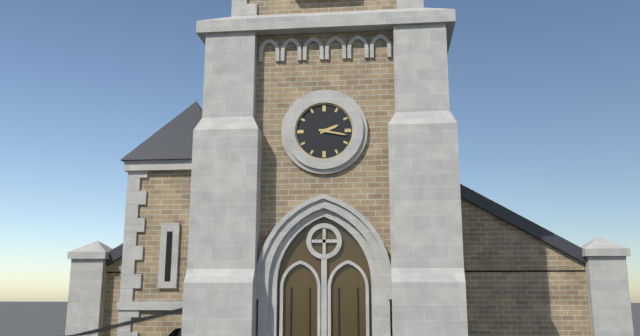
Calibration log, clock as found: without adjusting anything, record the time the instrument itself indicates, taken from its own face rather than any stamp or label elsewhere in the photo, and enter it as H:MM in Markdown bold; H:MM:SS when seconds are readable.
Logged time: **2:17**
